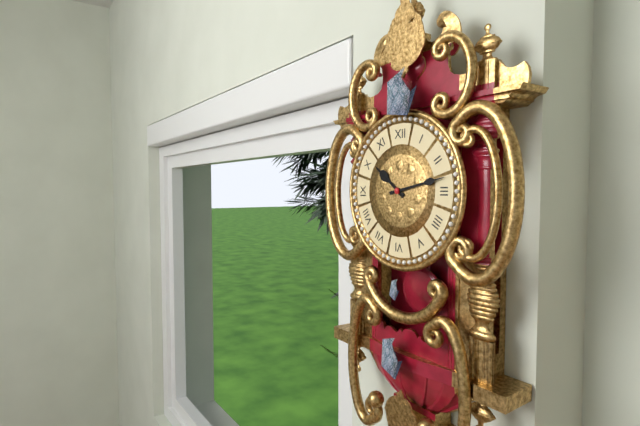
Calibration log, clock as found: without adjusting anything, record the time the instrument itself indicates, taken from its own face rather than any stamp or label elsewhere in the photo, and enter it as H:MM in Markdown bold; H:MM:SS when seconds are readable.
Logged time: **10:13**
